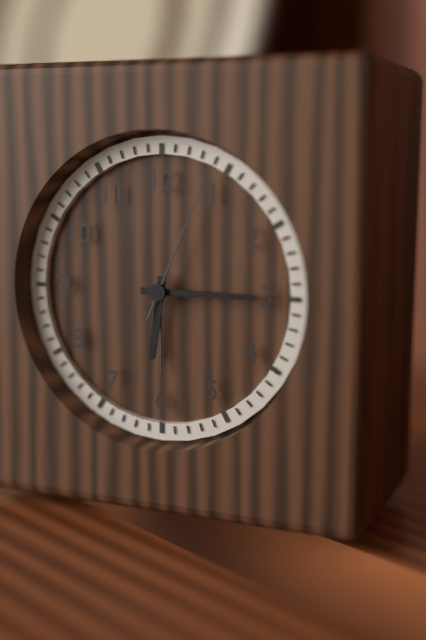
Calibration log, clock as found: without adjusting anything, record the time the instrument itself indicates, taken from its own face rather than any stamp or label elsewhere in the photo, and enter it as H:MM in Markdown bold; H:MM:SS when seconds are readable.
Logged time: **6:15:04**
